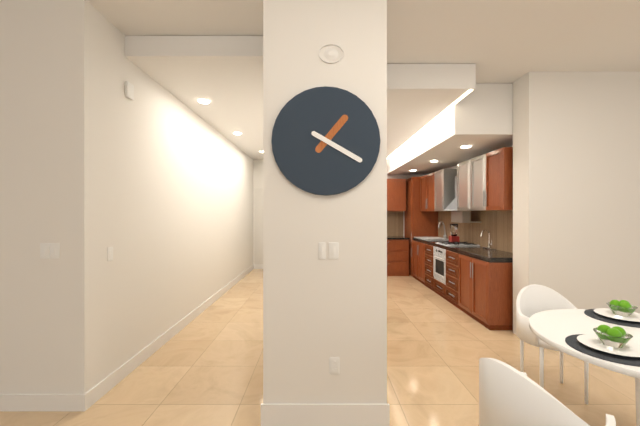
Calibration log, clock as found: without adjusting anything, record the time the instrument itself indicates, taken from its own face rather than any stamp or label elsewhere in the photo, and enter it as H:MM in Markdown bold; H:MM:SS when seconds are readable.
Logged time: **1:20**
